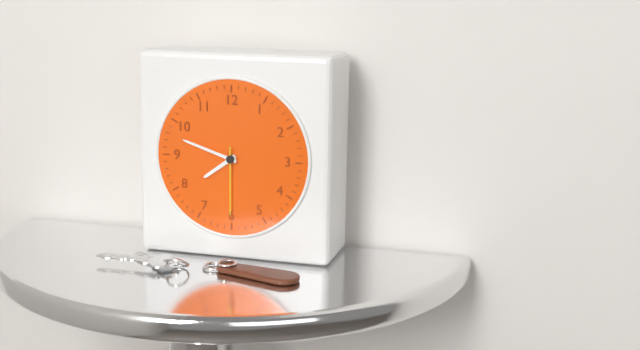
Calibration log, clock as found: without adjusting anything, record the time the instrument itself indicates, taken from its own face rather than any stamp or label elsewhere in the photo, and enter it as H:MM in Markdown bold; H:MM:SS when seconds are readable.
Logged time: **7:48:30**
